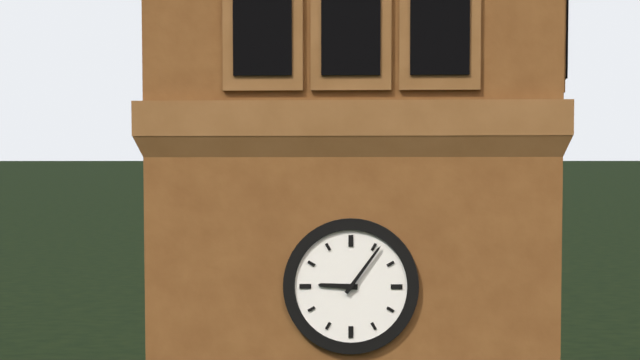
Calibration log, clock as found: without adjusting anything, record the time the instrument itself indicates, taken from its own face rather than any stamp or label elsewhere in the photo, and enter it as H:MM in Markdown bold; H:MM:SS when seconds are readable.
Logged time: **9:06**
